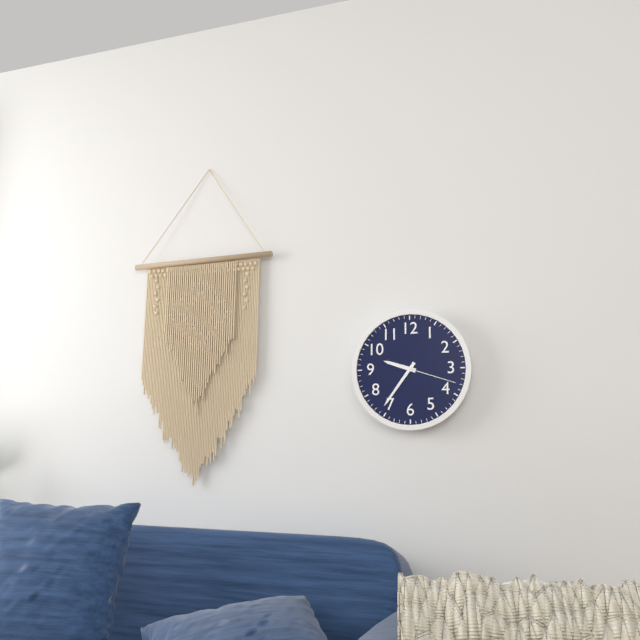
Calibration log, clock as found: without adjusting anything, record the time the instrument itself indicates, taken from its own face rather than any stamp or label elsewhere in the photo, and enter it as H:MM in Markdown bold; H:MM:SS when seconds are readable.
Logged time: **9:36:18**
